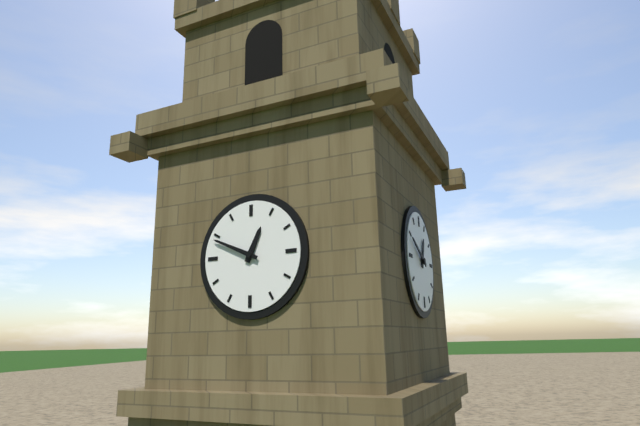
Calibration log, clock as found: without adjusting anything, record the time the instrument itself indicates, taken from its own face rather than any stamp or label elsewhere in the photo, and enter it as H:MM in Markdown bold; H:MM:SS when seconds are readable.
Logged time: **12:49**
